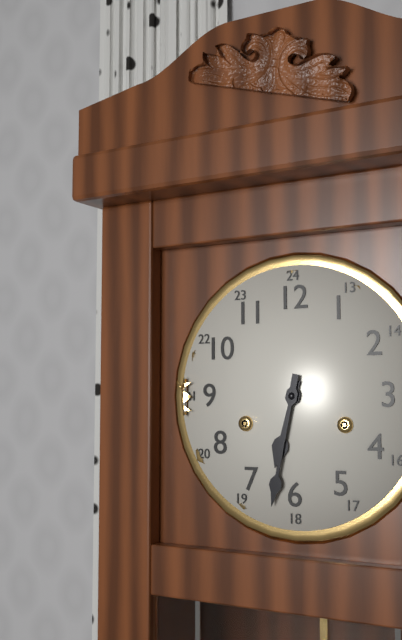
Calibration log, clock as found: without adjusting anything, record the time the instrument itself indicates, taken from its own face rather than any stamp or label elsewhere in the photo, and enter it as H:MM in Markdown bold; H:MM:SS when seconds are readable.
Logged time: **6:32**
